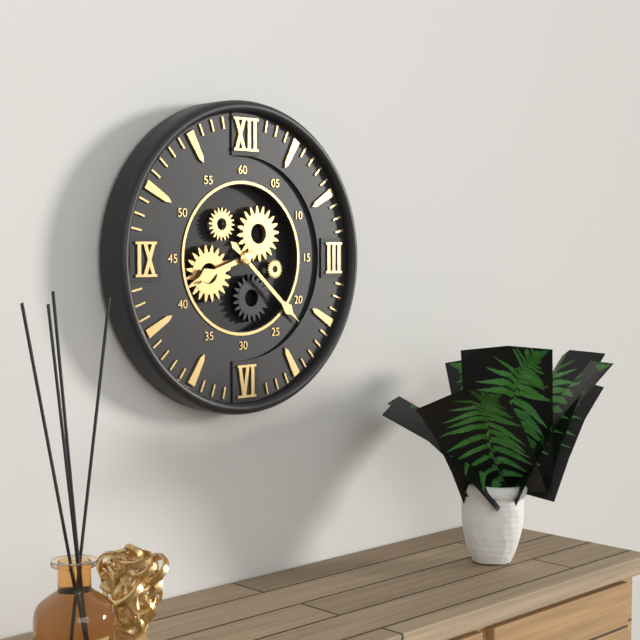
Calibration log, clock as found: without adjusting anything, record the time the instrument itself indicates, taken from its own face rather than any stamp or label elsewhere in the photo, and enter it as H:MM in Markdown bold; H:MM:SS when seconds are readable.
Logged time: **8:22**
